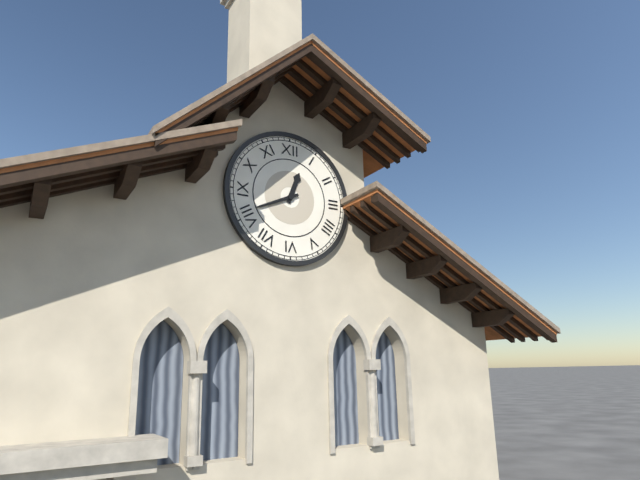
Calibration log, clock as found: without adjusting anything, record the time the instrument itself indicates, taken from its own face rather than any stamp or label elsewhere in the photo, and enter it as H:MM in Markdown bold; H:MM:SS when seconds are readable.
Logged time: **12:41**
